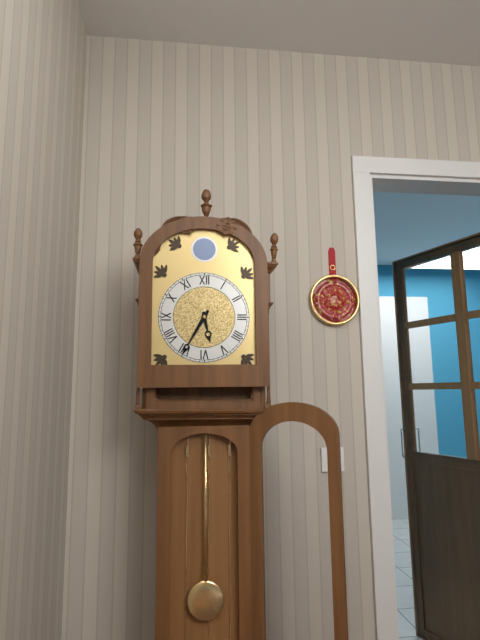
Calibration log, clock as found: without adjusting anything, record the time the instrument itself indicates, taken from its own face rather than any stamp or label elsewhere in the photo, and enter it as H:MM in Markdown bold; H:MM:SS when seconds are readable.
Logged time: **5:35**
